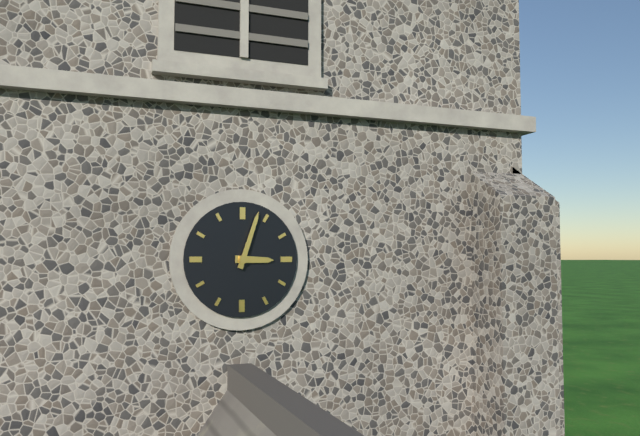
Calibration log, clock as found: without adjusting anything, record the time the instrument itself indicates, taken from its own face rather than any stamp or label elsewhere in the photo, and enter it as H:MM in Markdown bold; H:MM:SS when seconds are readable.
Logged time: **3:03**
